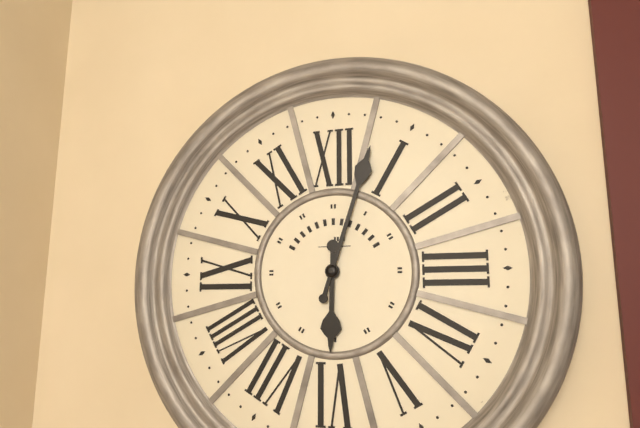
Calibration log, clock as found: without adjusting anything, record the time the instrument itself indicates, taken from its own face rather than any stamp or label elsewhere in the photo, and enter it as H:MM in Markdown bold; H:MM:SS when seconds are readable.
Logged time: **6:03**
